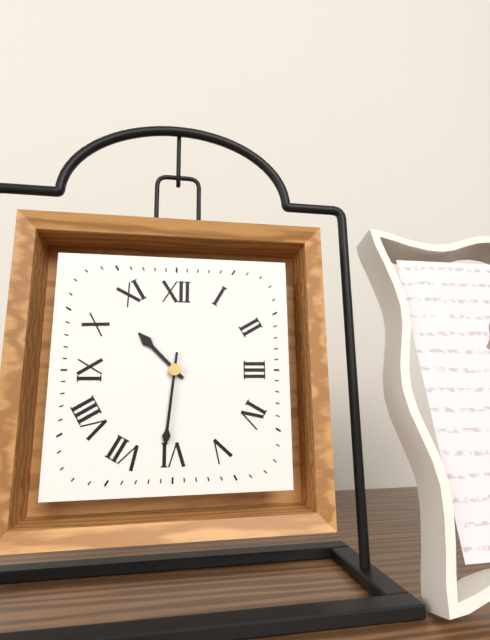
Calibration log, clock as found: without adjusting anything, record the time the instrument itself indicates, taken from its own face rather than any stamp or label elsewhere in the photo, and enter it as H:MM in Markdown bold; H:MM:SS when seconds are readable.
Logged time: **10:31**
